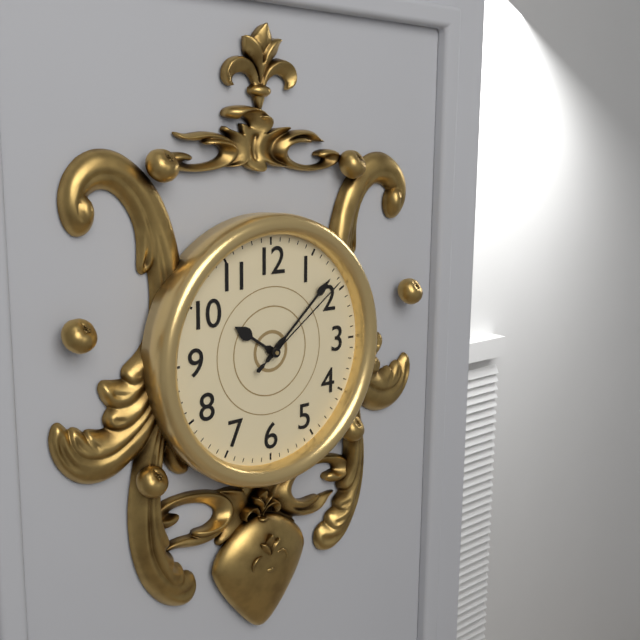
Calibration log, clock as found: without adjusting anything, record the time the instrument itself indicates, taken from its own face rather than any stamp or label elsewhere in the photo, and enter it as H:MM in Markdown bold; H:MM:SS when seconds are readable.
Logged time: **10:08:09**
